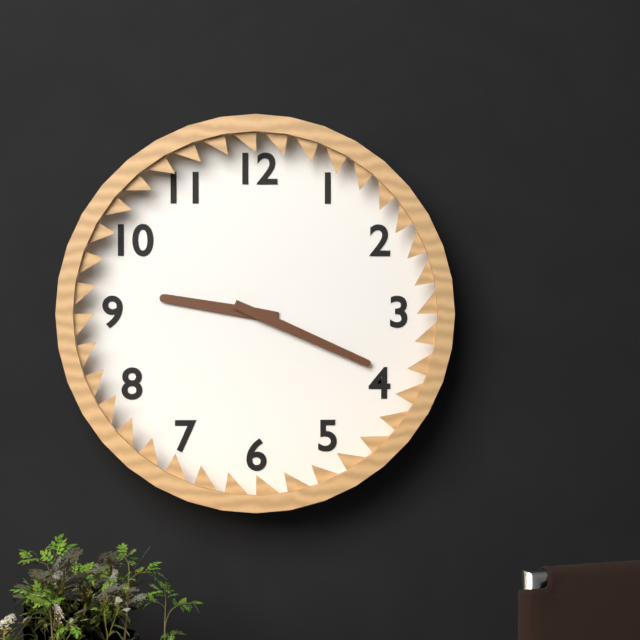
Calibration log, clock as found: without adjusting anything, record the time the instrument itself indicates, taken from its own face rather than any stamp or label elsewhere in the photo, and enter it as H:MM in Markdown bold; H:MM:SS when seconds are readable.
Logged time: **9:19**
